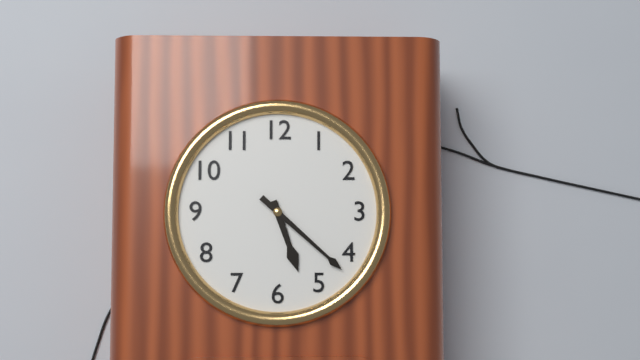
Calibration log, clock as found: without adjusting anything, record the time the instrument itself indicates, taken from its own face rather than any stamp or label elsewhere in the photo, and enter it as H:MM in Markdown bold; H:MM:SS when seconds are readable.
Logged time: **5:22**
